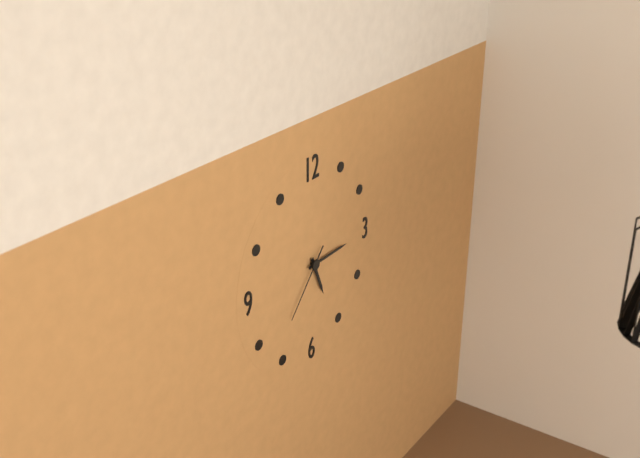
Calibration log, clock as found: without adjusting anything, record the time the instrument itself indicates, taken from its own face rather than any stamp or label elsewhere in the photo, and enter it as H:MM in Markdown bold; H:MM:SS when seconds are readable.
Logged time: **5:15:37**
